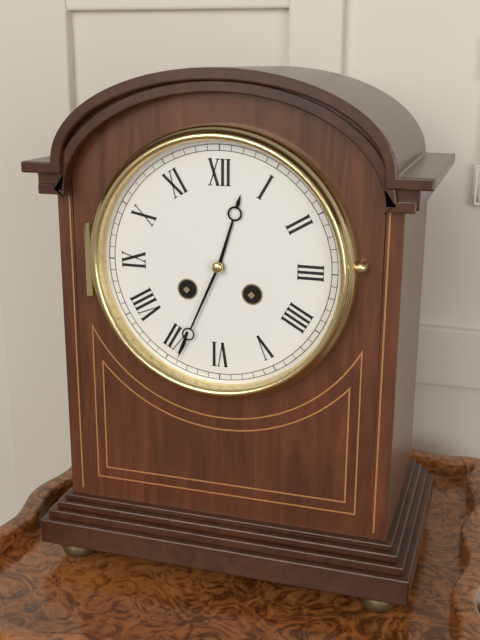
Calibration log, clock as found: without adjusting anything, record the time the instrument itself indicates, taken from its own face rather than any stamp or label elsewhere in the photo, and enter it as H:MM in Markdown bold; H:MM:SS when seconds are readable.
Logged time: **12:34**
